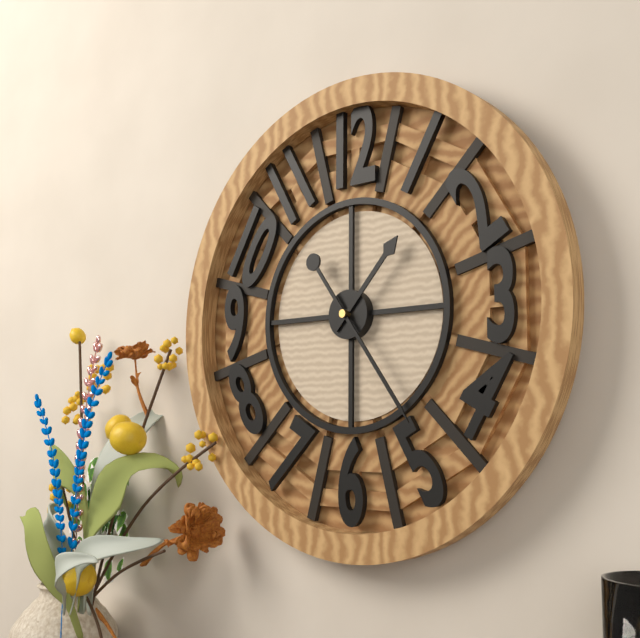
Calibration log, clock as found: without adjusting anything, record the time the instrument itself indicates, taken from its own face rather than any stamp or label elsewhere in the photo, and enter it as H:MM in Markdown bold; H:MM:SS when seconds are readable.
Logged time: **1:24**
